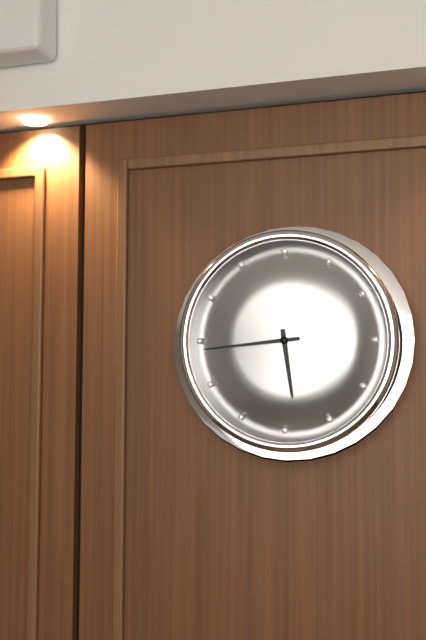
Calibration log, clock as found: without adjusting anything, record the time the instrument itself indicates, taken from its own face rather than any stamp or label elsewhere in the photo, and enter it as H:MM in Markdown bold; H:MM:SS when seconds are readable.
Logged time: **5:44**
